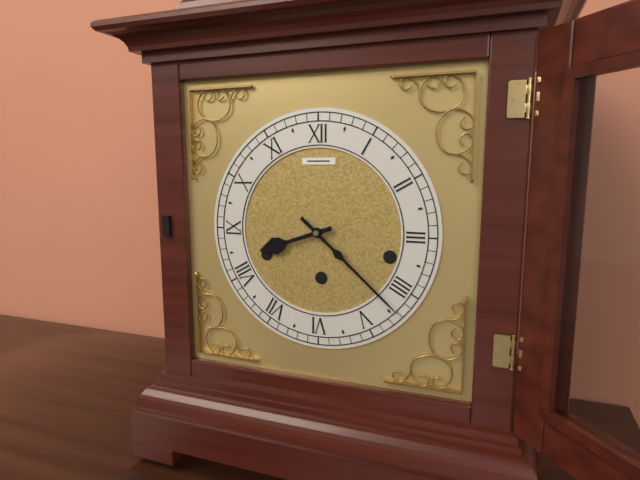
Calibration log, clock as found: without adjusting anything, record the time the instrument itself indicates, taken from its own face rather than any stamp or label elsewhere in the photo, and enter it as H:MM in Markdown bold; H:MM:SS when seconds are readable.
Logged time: **8:22**
